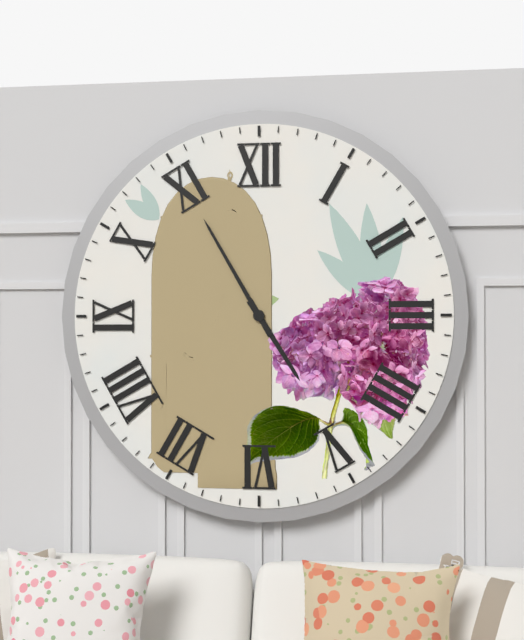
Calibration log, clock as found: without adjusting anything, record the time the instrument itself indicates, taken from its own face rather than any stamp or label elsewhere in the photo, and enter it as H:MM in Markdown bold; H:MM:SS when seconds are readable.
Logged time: **4:55**
